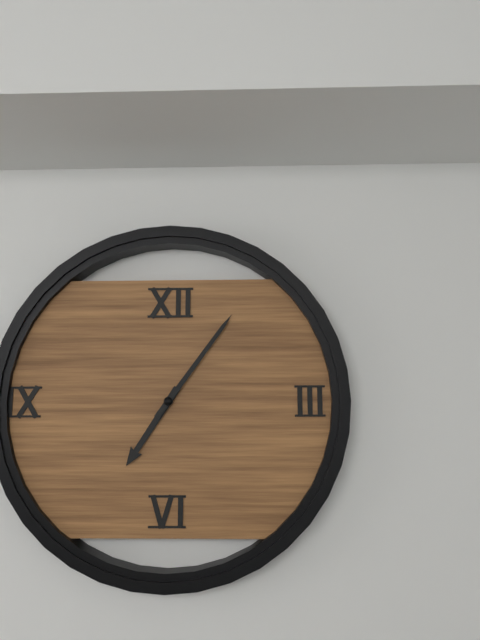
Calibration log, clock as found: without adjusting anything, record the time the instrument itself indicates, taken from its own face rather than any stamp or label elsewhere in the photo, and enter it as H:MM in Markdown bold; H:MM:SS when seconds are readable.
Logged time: **7:06**
